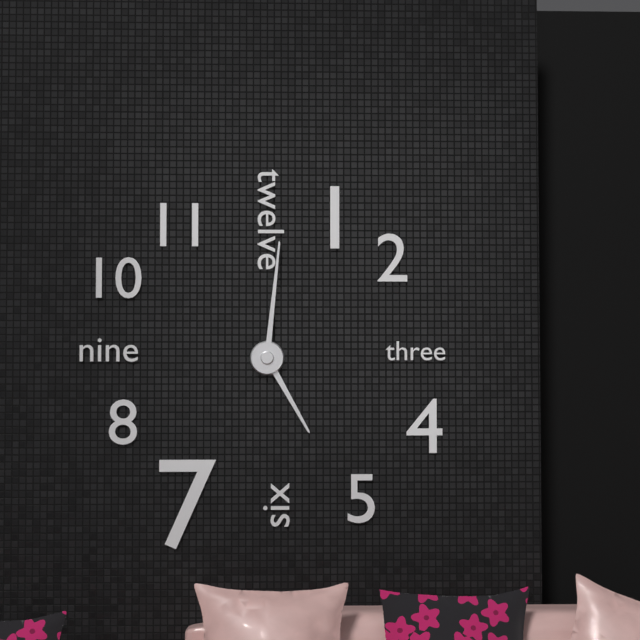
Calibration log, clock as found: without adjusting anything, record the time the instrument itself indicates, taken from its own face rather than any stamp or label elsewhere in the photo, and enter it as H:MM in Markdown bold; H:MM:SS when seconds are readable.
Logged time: **5:01**
